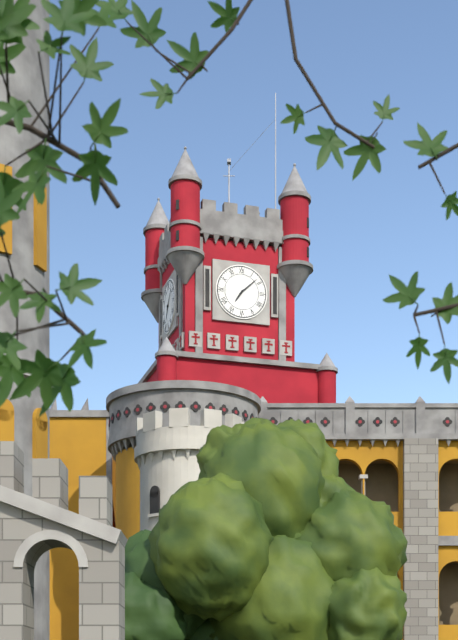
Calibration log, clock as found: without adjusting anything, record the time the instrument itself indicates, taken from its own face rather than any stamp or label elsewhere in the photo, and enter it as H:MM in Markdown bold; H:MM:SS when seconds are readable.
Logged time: **7:08**
